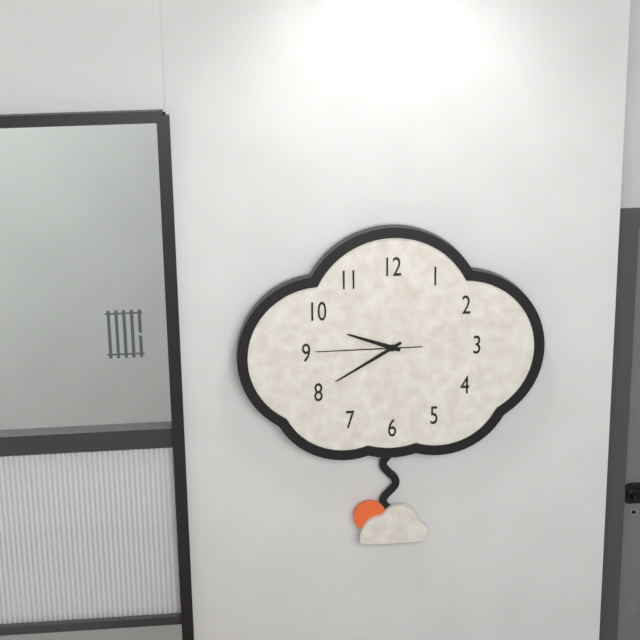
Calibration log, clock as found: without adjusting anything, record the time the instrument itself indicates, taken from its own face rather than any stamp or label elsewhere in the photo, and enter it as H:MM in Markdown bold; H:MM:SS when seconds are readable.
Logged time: **9:40:45**
